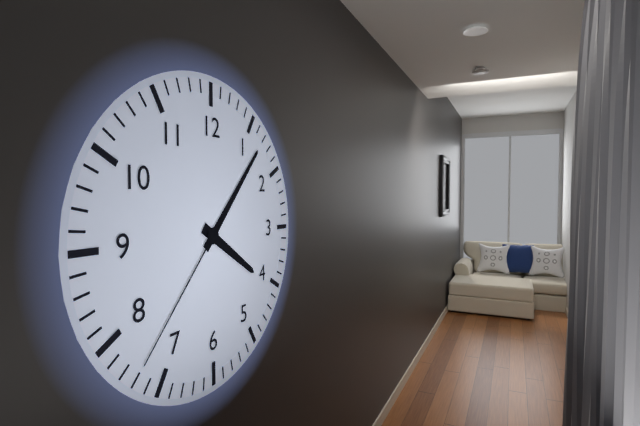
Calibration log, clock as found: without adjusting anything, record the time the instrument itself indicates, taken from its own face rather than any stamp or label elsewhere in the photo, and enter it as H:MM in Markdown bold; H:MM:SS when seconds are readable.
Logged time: **4:07:37**
